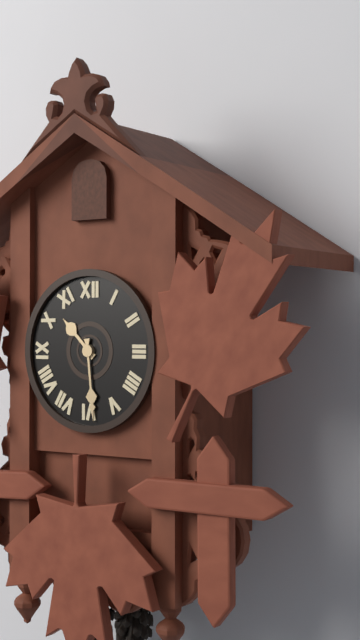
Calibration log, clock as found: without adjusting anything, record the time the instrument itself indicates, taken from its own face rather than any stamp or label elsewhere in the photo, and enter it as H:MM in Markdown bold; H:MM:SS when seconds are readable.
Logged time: **10:29**
